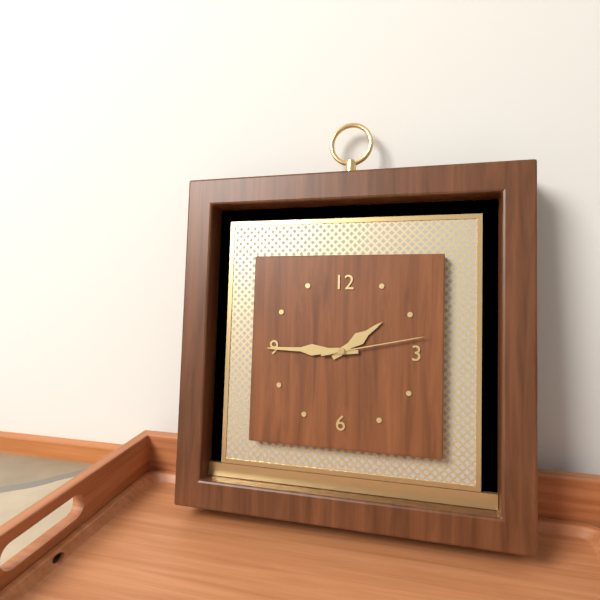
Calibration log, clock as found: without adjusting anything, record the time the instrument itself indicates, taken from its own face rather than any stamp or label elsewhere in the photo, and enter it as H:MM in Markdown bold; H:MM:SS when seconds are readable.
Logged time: **1:45:13**
